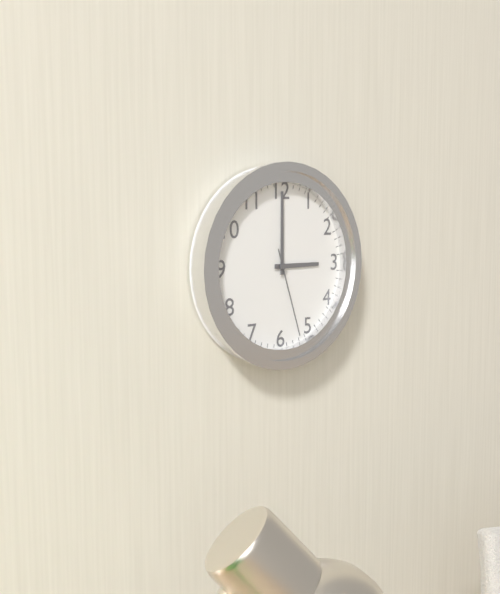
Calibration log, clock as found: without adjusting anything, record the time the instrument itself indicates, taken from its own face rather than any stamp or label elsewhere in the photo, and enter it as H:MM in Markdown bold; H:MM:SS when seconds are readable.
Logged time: **3:00:27**
